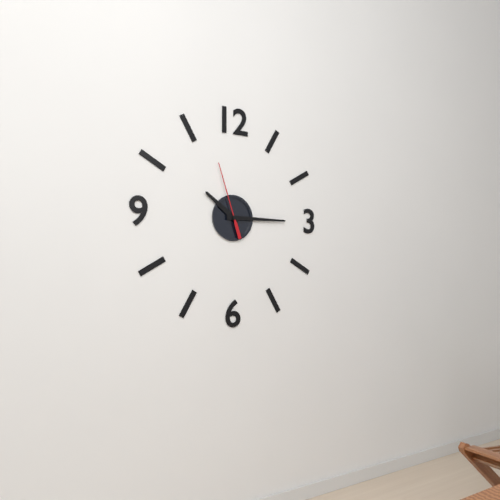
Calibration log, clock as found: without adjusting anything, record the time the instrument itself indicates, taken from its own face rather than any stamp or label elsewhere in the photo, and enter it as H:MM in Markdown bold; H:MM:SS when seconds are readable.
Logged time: **10:15:57**
